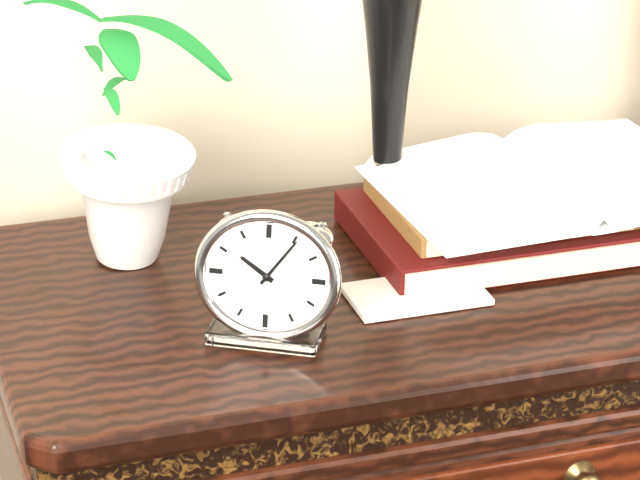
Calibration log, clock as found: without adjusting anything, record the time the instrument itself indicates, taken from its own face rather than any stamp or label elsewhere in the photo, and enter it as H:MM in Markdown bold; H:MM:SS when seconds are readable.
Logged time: **10:06**
